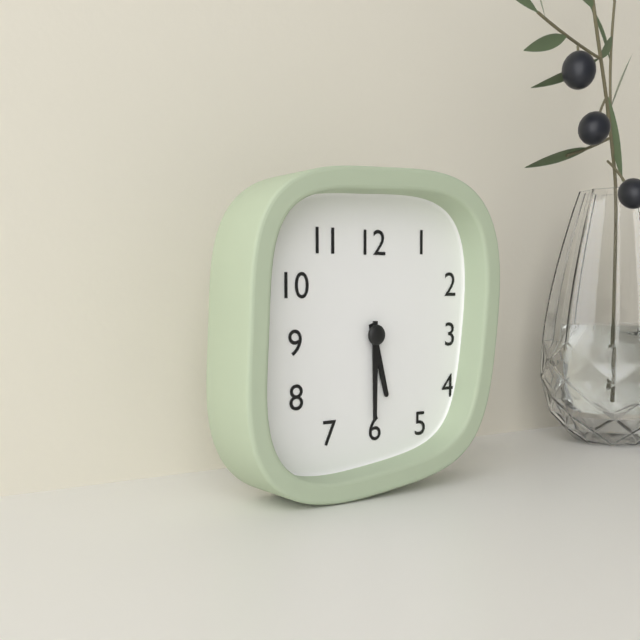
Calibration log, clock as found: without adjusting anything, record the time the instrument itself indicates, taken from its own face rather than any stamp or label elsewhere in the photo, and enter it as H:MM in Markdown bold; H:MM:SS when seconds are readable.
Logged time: **5:30**
